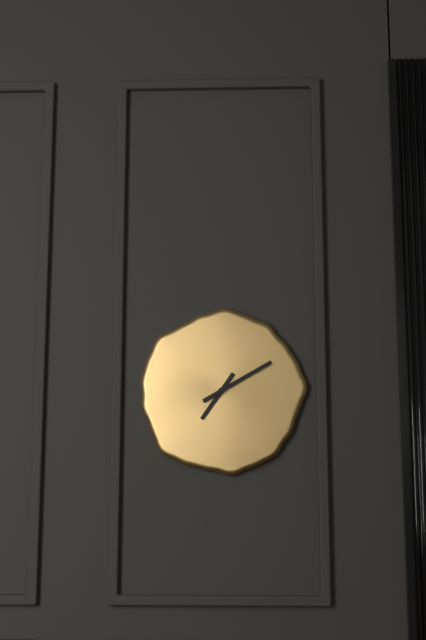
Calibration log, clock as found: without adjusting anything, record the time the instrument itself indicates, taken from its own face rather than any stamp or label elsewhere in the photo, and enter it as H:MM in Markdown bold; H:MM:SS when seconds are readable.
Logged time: **7:10**
